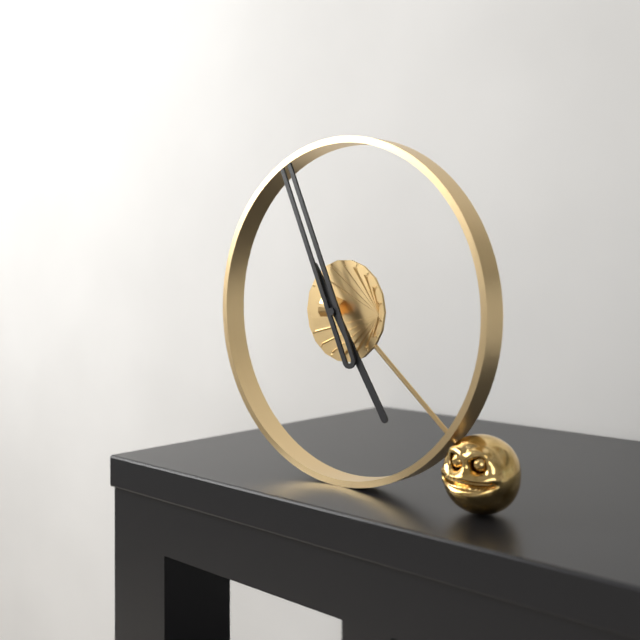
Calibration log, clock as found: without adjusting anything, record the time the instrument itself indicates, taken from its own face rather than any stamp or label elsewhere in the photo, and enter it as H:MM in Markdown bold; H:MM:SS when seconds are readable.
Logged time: **4:56**
